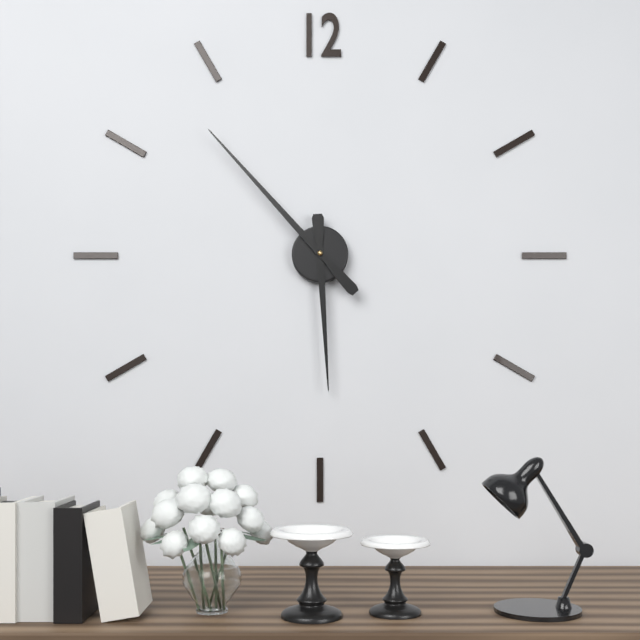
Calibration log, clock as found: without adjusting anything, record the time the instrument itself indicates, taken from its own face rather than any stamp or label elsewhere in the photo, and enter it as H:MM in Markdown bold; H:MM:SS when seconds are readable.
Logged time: **5:53**
